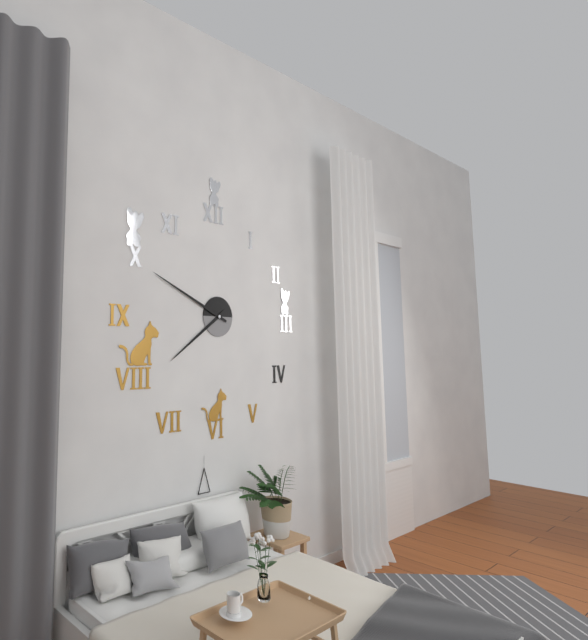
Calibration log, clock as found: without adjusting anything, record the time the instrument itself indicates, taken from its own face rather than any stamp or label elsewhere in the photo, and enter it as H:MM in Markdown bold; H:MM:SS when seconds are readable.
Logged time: **7:49**
